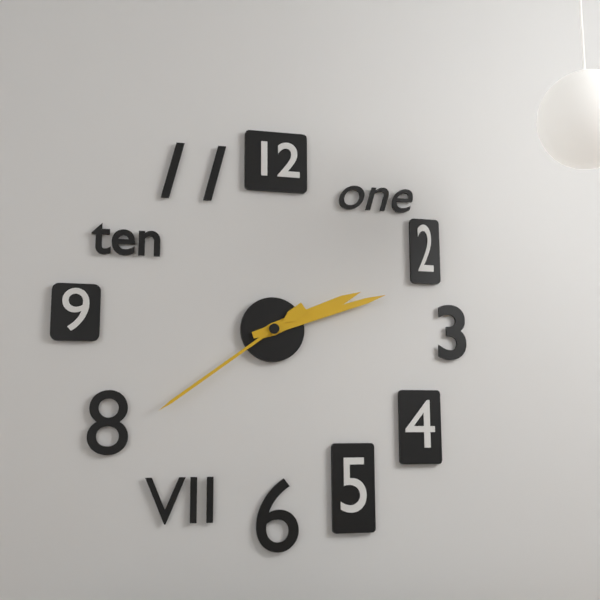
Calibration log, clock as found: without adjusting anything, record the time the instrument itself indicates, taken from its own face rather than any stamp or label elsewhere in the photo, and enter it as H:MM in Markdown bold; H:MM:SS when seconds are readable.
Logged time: **2:12:39**
